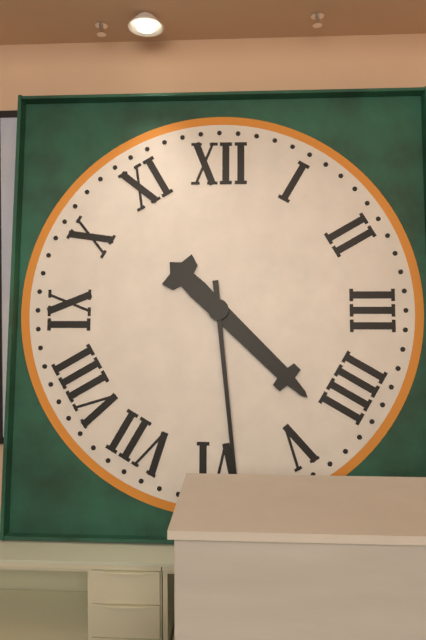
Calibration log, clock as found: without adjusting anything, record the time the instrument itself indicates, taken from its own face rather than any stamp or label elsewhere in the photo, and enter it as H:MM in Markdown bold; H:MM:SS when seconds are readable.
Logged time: **4:29**
